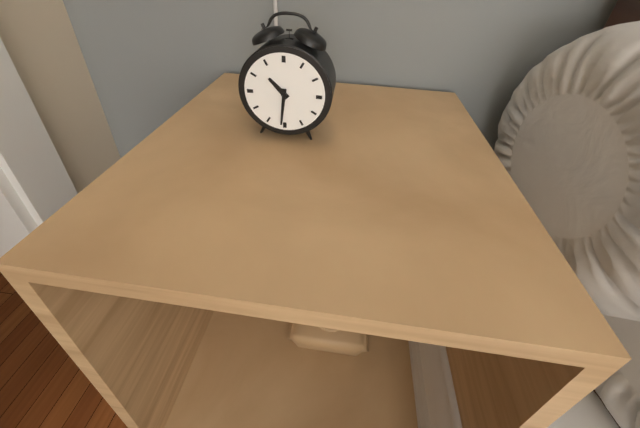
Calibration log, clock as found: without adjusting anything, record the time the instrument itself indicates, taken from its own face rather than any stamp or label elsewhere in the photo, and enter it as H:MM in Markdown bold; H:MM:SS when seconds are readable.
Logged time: **10:31**
